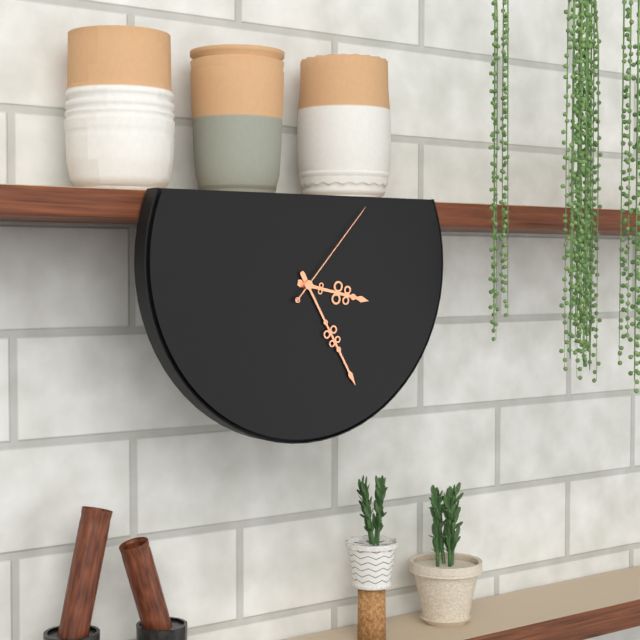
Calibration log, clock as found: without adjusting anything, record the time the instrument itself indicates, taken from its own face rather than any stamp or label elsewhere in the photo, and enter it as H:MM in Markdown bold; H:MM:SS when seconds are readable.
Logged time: **3:25:07**
